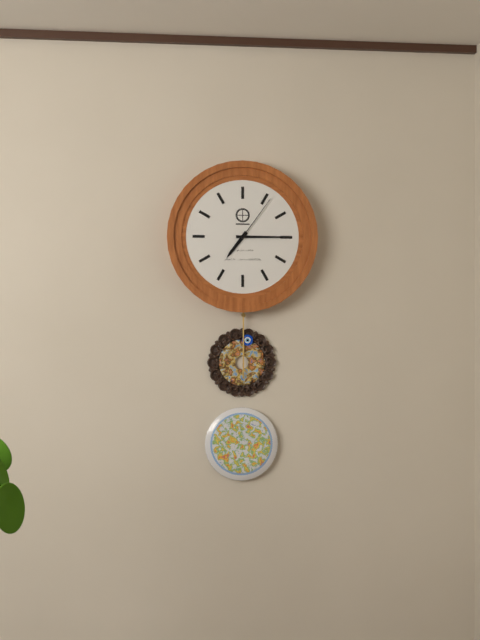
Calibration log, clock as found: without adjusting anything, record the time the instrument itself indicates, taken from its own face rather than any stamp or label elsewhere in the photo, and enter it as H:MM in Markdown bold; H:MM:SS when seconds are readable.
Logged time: **7:15:06**
